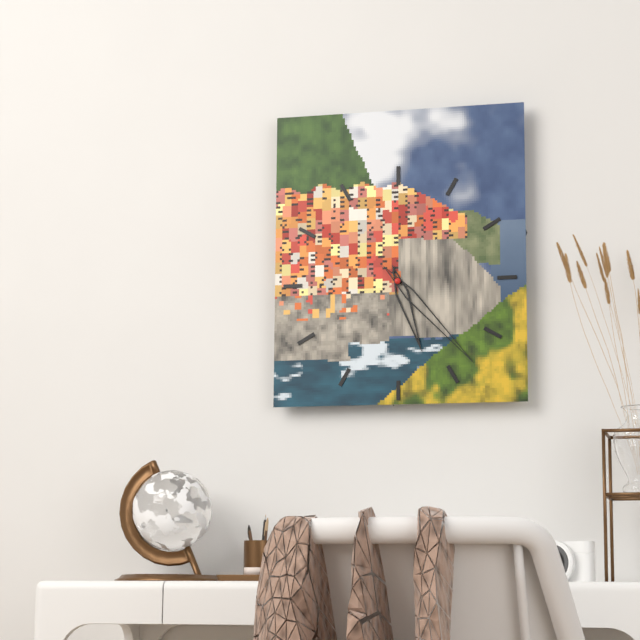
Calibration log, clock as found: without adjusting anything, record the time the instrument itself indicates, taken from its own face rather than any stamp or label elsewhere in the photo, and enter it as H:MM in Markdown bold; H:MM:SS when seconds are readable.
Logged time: **5:23**
